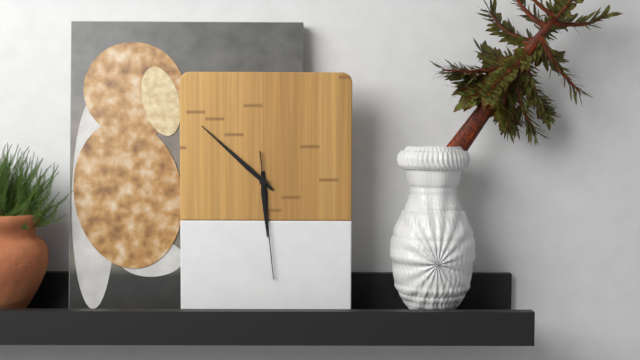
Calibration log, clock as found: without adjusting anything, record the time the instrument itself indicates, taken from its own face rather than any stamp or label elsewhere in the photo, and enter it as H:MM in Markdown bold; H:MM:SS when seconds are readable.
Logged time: **5:52:29**
